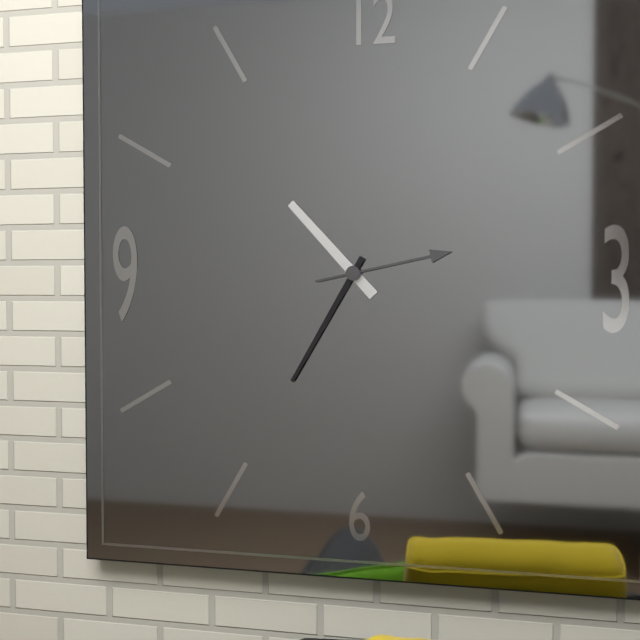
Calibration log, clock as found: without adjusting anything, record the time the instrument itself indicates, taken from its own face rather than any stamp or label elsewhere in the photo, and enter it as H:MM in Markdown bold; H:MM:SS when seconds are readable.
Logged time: **10:35:13**
